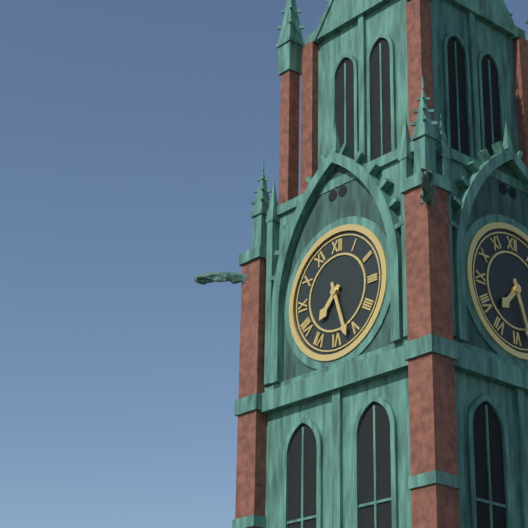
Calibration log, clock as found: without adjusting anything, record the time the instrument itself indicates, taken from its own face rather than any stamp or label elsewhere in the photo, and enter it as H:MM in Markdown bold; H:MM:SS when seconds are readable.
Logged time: **7:27**
